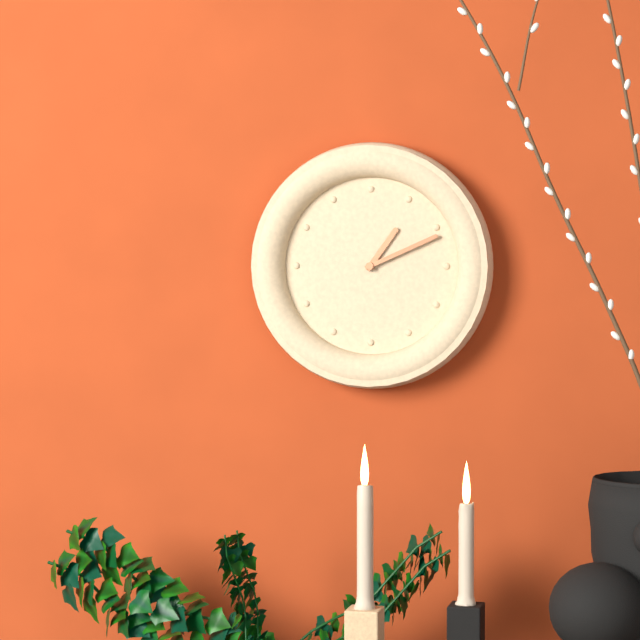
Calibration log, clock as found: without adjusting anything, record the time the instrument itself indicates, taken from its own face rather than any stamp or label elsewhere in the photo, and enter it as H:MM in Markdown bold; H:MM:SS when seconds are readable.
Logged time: **1:11**
